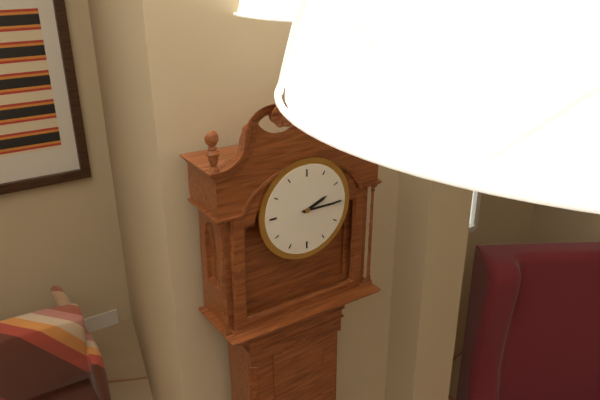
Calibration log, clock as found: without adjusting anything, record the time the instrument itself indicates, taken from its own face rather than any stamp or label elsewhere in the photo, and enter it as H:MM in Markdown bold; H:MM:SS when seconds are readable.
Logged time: **2:15**
